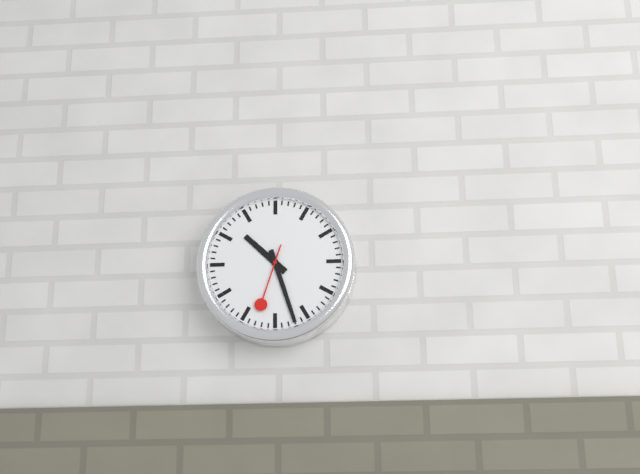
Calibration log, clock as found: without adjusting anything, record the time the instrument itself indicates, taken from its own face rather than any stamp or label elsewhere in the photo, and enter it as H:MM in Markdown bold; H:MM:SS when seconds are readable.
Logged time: **10:27:33**
